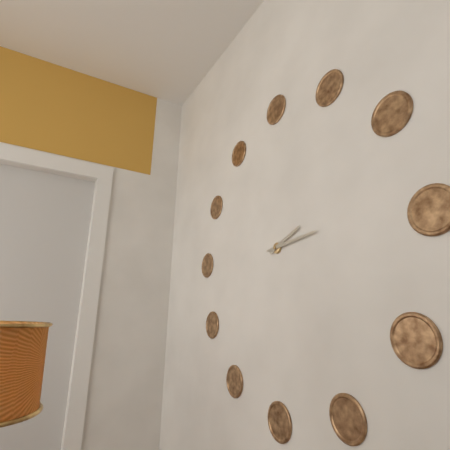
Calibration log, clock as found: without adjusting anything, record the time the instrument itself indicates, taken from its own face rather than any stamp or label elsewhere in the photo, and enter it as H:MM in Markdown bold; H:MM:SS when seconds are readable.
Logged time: **2:14**
